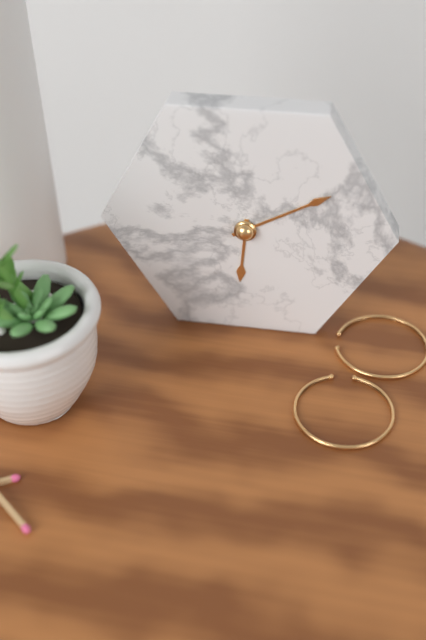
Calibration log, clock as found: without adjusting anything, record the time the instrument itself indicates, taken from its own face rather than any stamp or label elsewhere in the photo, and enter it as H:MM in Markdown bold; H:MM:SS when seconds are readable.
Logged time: **6:10**
